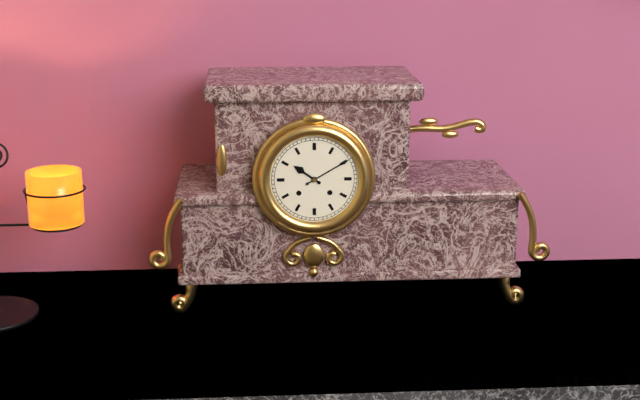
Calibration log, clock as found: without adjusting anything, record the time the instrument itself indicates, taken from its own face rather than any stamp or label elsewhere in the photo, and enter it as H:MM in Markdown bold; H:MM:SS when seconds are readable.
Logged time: **10:10**
